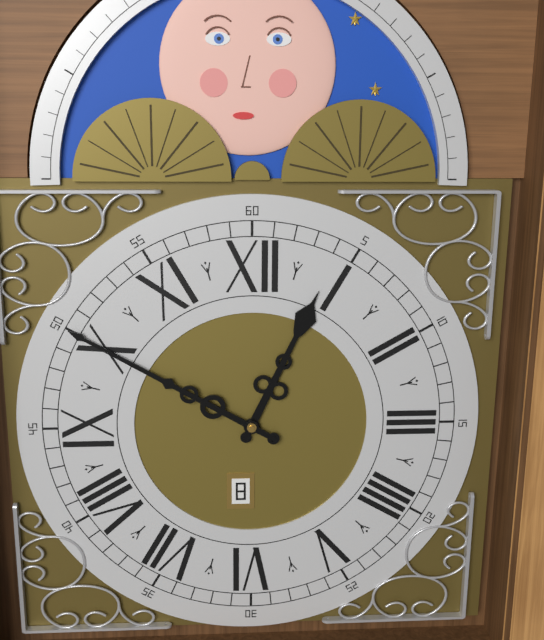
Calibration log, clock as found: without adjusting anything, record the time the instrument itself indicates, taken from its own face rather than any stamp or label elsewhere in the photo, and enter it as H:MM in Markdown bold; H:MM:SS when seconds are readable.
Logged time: **12:50**
